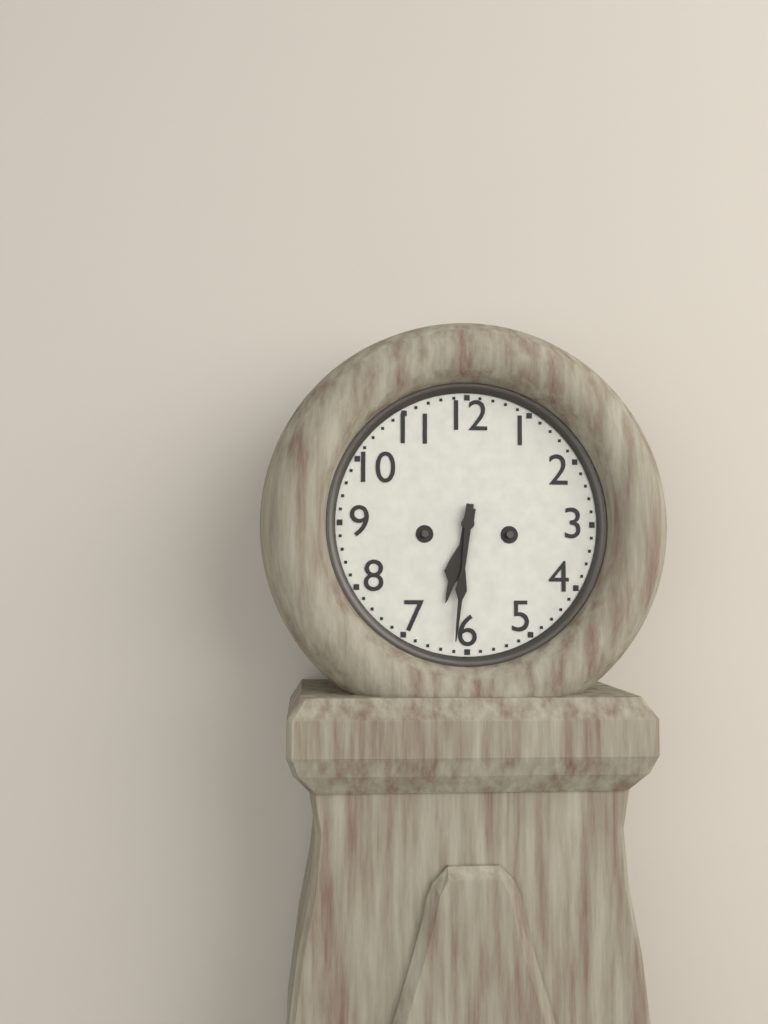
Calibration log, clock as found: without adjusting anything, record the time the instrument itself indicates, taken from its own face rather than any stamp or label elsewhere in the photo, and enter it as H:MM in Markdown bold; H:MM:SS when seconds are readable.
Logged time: **6:31**
